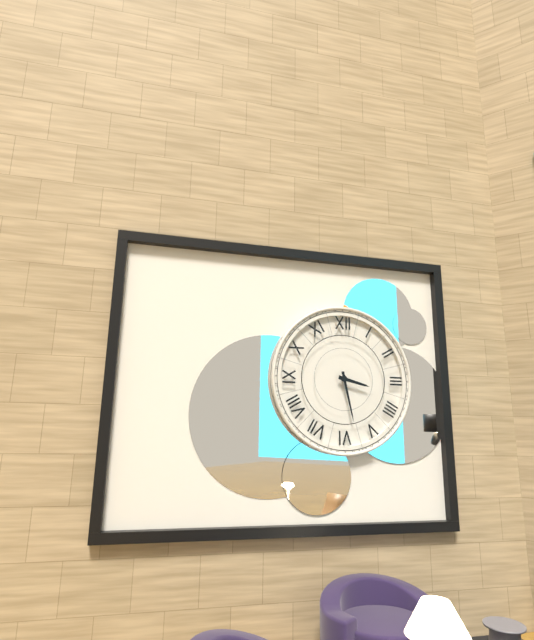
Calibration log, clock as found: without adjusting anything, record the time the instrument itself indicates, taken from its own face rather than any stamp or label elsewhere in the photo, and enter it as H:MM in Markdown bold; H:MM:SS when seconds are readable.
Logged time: **3:28**
